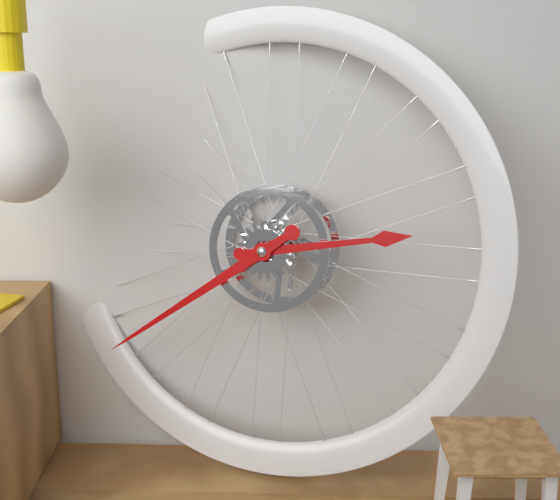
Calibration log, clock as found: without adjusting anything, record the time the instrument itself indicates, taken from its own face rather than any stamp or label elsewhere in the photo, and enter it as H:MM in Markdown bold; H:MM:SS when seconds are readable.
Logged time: **2:39**
